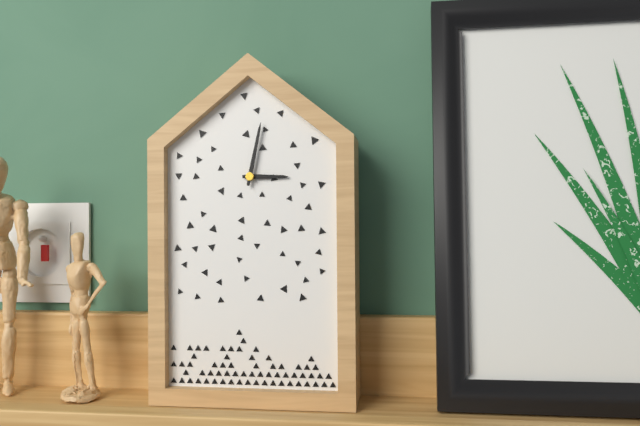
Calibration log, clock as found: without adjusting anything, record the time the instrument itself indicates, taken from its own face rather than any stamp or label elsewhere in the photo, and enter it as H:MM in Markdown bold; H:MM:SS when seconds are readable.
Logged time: **3:02**
